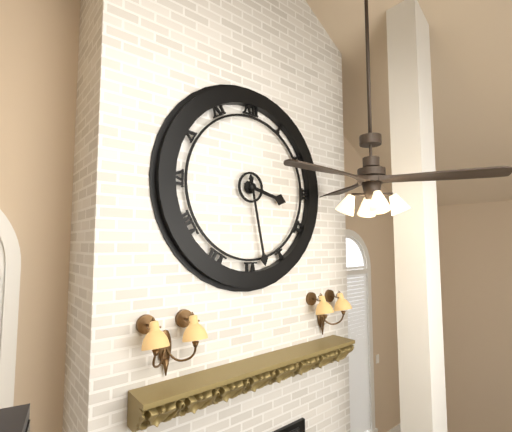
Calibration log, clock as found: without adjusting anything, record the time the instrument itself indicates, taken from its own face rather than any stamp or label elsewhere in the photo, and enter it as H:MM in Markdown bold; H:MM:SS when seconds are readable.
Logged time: **3:28**
